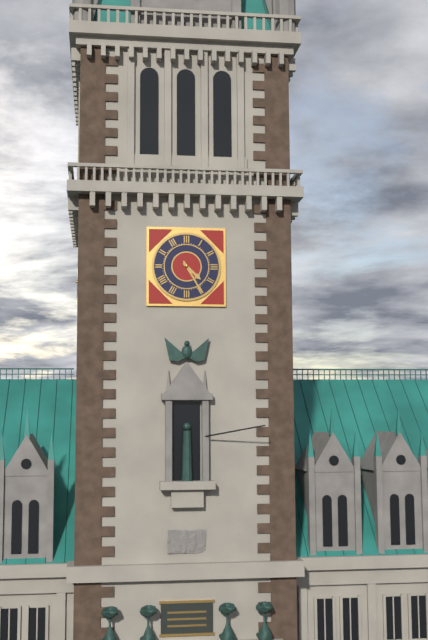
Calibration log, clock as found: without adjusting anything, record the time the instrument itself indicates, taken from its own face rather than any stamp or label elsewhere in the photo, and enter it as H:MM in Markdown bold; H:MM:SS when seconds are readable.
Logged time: **4:25**
